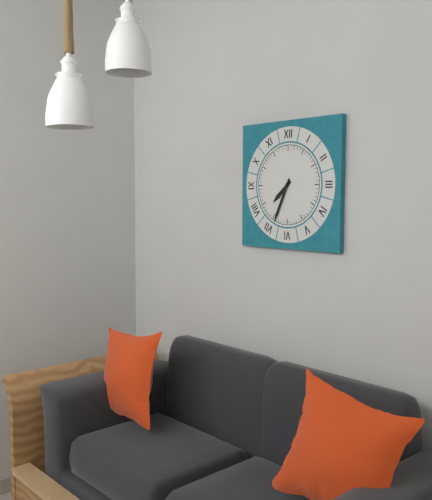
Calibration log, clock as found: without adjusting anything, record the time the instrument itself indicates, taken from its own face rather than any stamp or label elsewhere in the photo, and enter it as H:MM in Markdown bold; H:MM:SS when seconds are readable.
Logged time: **7:34**
